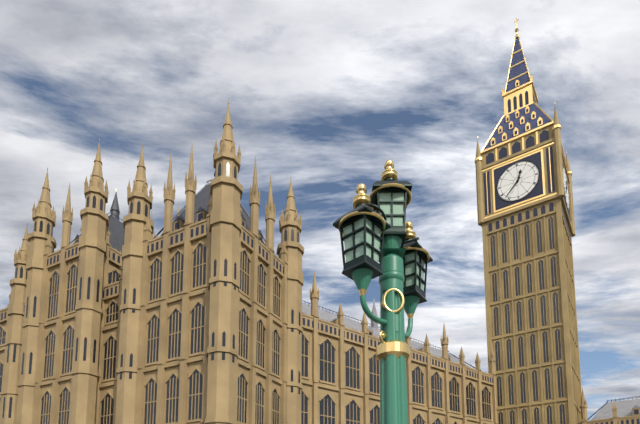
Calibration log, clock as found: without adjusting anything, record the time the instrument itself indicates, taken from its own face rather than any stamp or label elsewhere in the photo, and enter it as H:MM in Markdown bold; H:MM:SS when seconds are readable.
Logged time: **12:37**
